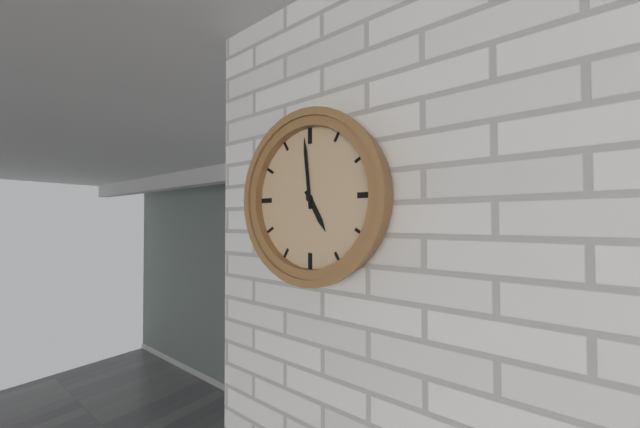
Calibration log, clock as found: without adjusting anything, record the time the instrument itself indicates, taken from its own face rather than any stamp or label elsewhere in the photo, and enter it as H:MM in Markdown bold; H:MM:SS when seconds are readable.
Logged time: **4:59**
